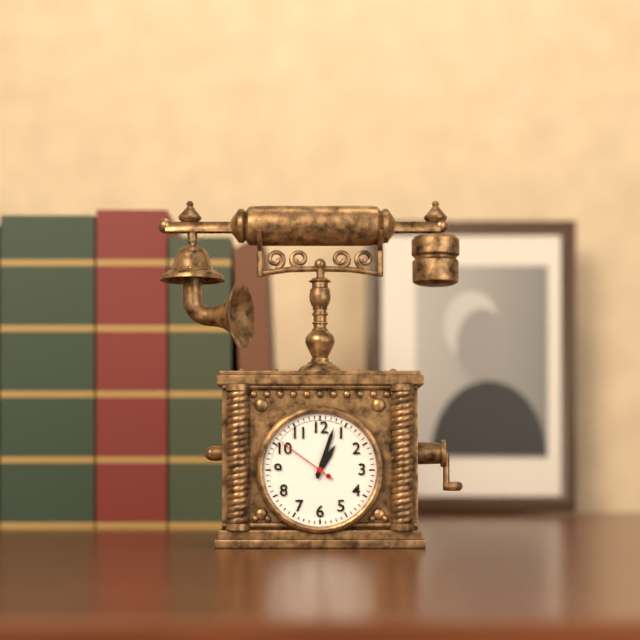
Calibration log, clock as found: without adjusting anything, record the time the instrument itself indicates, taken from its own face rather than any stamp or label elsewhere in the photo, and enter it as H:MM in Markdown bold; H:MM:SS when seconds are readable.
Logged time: **1:03:51**
